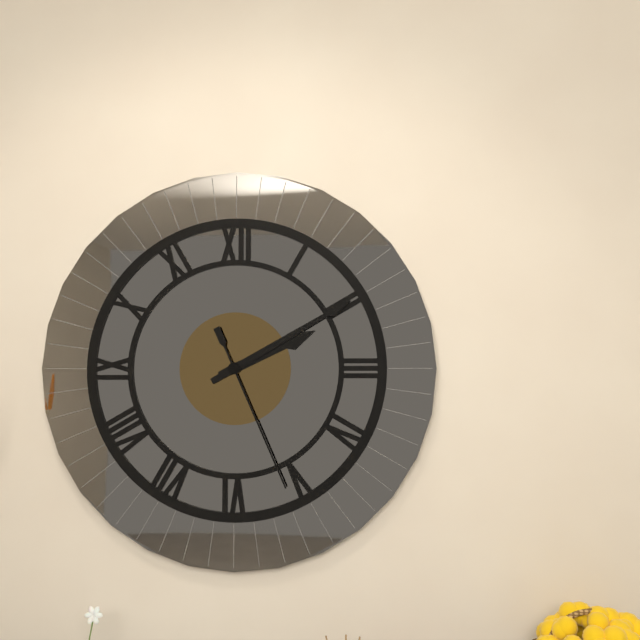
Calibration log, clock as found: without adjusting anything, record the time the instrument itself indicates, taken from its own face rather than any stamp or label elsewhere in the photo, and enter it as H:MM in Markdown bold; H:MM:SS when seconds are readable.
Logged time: **2:10:26**
